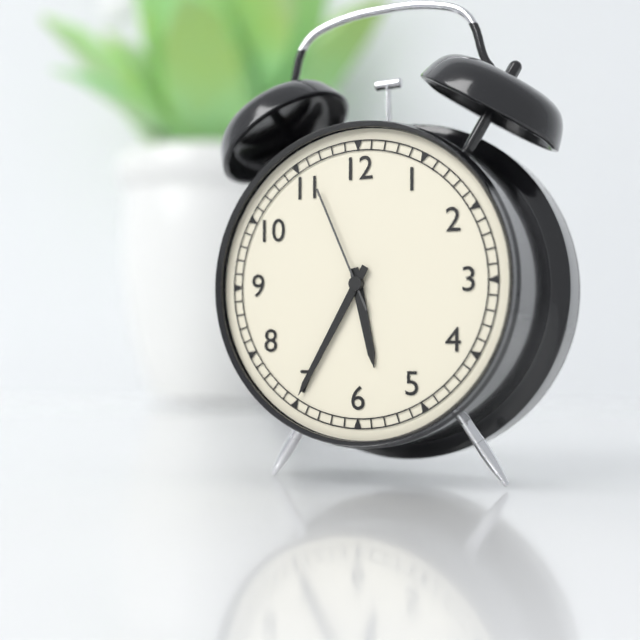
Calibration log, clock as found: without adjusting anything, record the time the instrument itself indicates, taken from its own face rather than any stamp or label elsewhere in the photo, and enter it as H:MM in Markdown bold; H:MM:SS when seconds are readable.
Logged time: **5:35:56**
